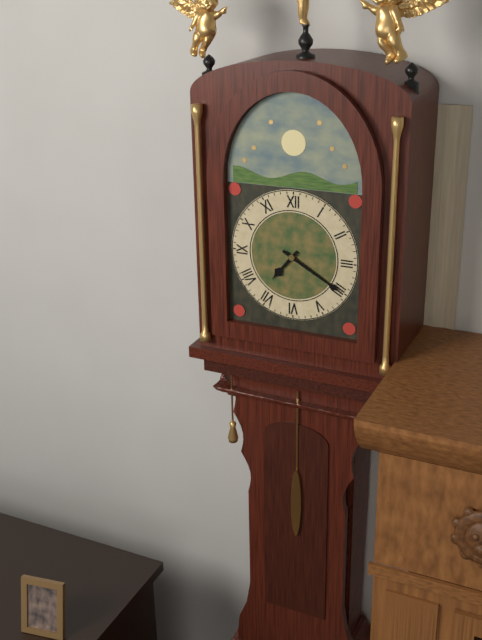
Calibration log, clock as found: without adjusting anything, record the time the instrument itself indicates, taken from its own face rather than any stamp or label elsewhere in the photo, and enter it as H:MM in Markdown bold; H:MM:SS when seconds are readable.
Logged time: **7:20**
